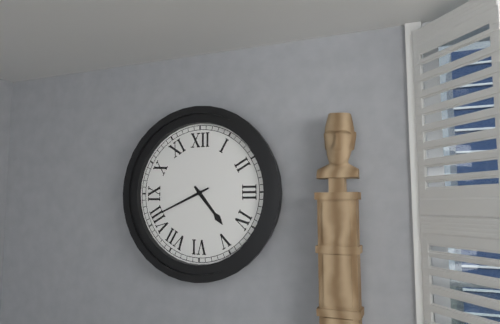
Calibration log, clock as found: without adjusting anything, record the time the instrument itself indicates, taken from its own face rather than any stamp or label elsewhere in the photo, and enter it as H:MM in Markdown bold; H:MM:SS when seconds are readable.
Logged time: **4:41**
